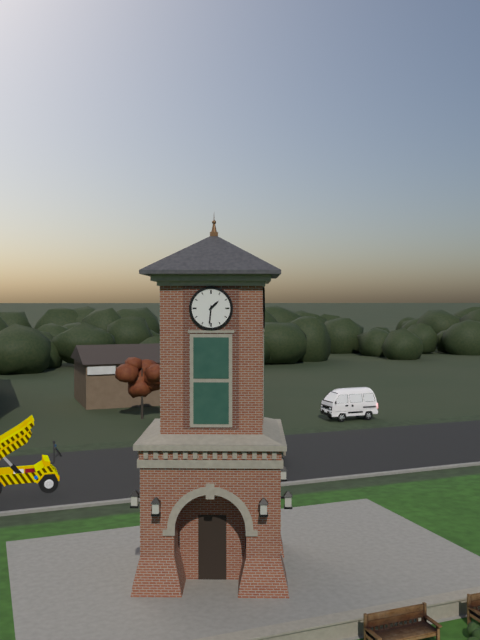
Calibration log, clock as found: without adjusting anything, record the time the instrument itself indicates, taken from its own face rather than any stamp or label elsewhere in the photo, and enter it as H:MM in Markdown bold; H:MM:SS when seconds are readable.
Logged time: **1:31**
